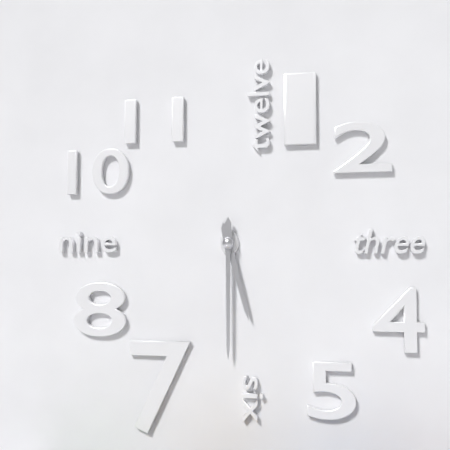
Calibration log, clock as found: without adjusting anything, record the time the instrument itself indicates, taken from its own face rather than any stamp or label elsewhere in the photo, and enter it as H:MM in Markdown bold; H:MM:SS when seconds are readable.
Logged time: **5:30**
